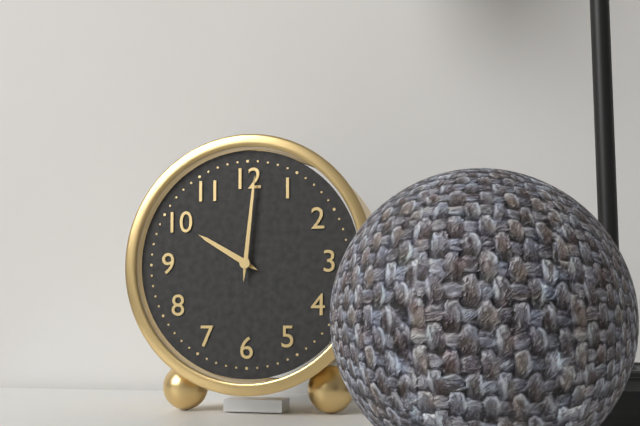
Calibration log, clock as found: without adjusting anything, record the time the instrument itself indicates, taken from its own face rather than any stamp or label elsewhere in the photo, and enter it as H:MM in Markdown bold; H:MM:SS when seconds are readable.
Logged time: **10:01**
